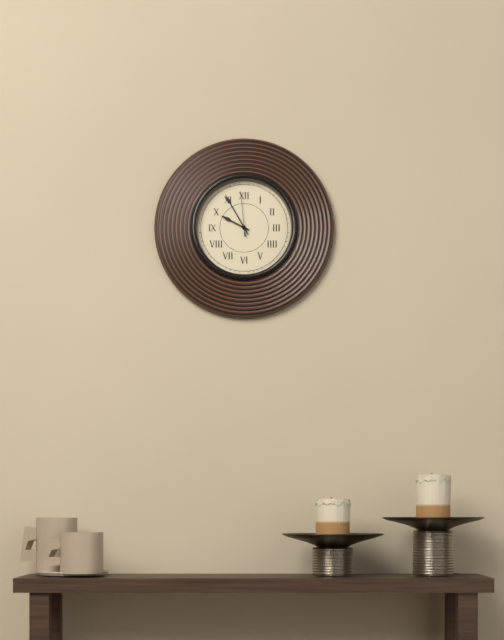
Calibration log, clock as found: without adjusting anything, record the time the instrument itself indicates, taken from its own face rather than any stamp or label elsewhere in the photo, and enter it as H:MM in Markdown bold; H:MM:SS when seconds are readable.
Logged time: **9:55**
